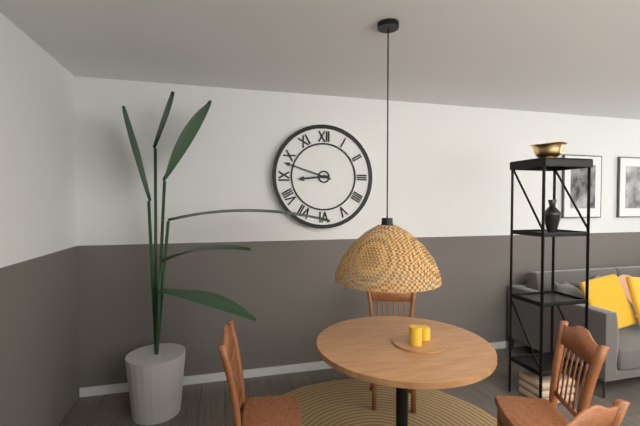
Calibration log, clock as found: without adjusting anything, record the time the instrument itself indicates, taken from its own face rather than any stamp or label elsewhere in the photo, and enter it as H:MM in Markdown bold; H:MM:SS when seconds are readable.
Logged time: **8:48**
